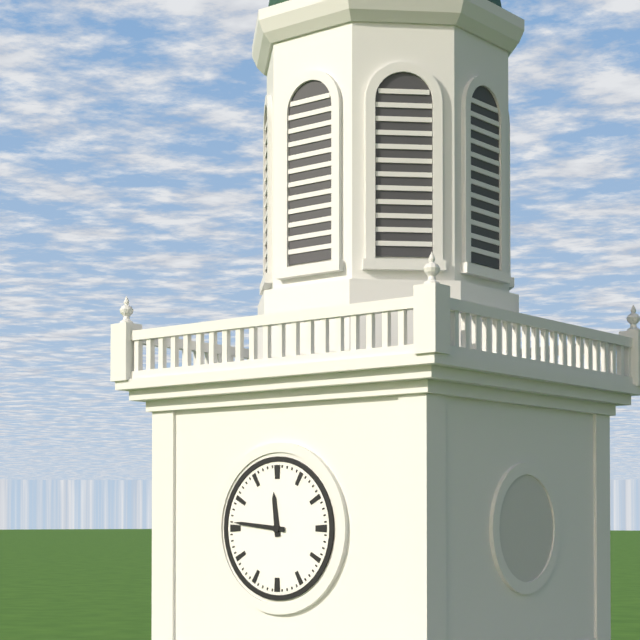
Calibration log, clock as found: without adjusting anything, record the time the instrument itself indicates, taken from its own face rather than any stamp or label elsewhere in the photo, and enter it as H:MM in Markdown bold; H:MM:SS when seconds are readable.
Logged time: **11:46**
